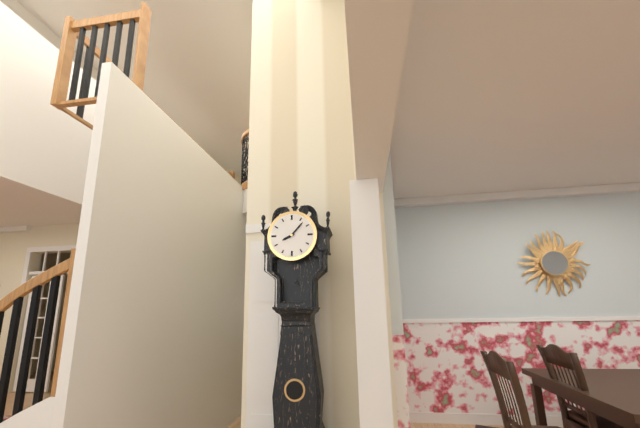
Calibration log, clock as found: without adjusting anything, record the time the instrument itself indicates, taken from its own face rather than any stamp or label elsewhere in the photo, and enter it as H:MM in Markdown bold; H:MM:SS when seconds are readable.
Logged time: **8:07**
